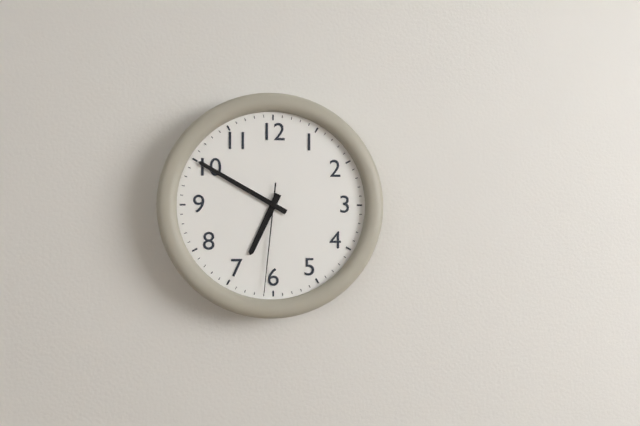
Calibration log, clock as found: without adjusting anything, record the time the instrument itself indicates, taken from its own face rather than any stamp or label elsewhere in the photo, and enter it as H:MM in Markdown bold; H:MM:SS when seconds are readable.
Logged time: **6:50:31**
